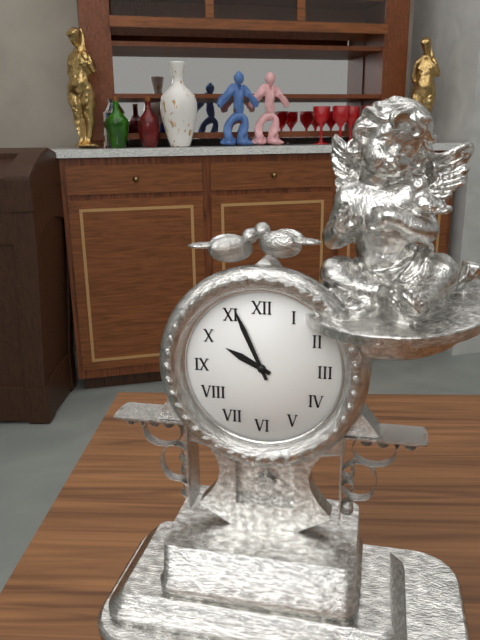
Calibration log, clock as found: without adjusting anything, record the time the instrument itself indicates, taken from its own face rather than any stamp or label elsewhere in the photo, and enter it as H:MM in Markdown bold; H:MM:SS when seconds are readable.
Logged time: **9:56**
